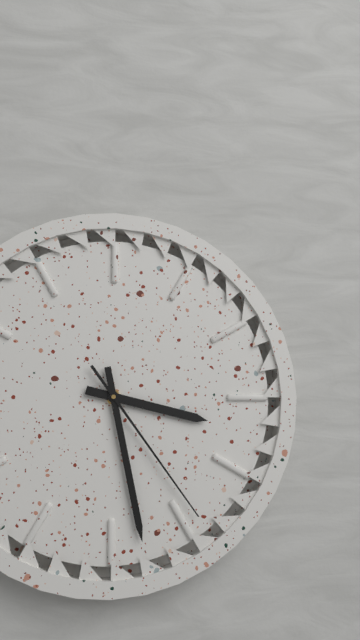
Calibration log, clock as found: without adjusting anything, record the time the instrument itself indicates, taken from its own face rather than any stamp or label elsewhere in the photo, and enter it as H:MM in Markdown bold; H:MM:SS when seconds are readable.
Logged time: **3:28:24**
